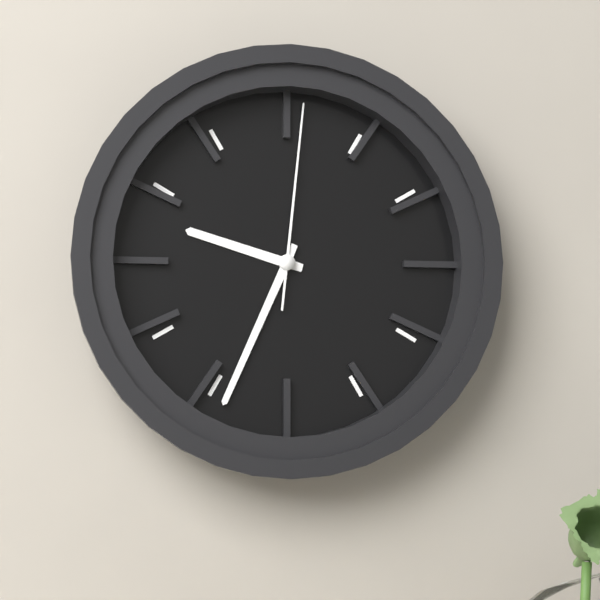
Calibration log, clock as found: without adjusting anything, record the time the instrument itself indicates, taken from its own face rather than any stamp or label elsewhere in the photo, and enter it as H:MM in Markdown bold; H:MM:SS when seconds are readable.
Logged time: **9:34:01**
